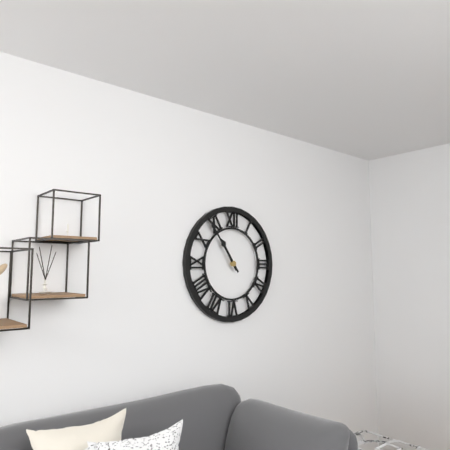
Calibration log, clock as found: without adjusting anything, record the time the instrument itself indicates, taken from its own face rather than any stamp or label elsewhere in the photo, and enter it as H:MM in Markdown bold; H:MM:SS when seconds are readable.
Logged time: **10:54**
